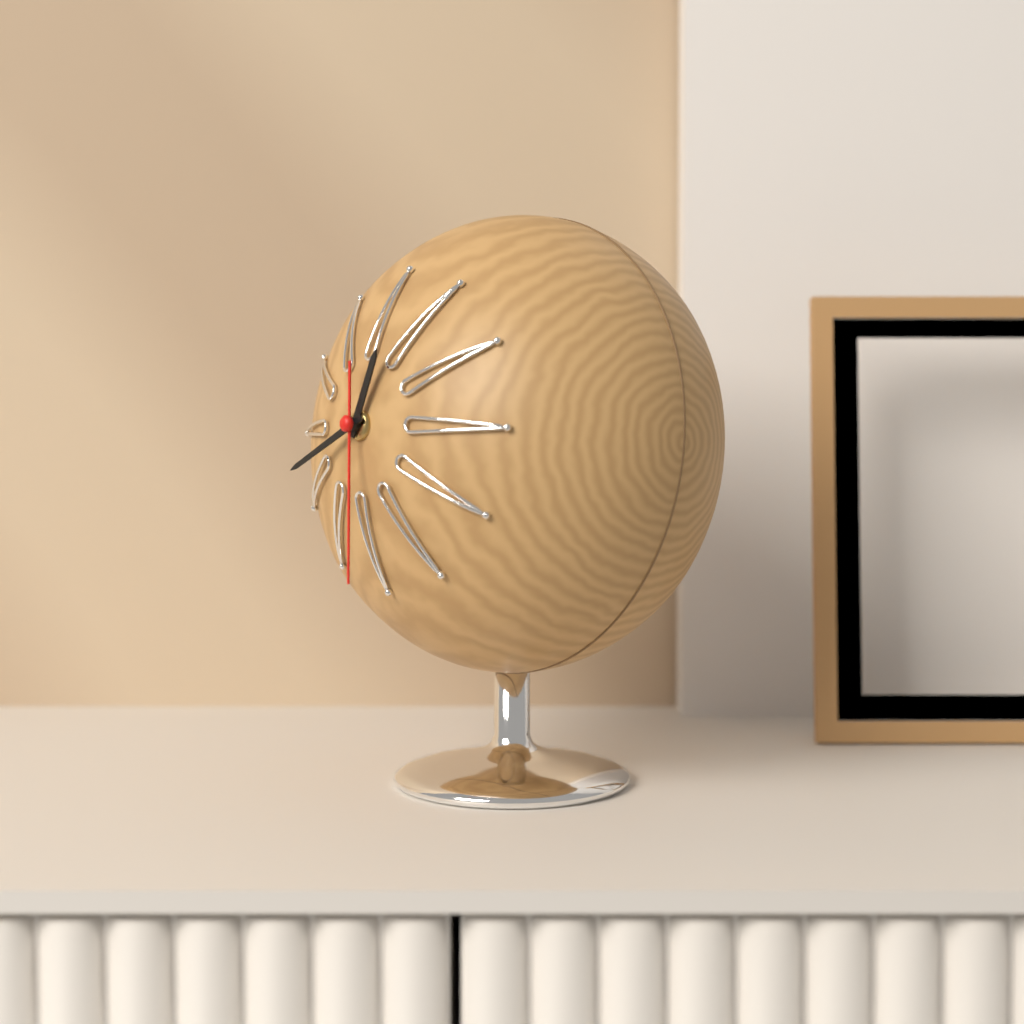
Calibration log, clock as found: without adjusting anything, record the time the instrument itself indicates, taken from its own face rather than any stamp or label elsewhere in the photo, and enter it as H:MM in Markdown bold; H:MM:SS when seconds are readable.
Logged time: **12:41:29**
